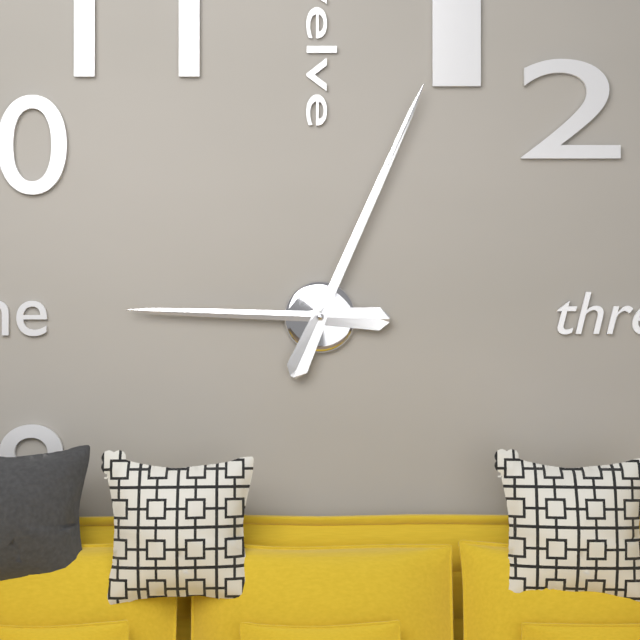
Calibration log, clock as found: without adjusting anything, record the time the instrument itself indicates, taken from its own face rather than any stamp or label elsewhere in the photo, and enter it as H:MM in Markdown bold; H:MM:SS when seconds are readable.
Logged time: **9:04**
